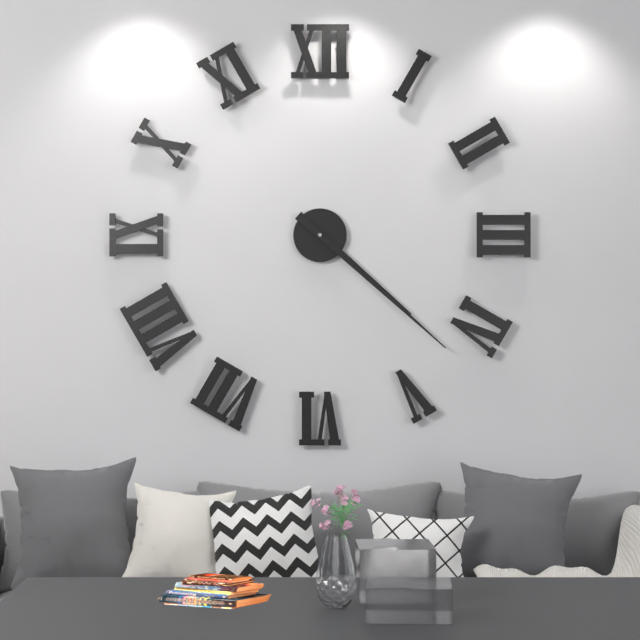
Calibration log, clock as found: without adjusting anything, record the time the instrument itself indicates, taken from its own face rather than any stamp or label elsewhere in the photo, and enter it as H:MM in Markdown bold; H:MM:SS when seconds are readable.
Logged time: **4:22**
